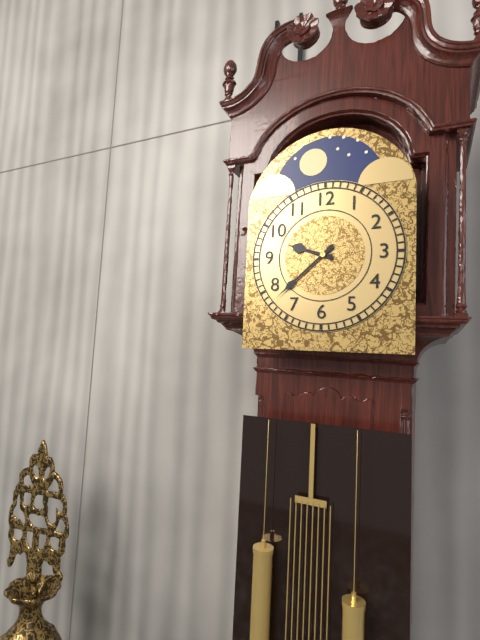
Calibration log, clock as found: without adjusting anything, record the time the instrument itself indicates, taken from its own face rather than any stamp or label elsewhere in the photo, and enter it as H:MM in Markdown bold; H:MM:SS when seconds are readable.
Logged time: **9:38**
